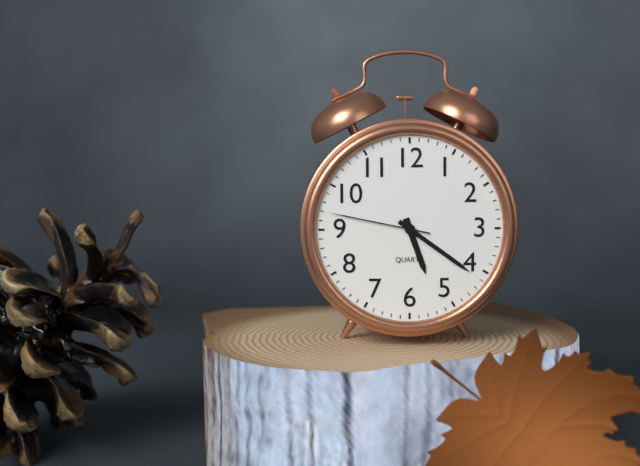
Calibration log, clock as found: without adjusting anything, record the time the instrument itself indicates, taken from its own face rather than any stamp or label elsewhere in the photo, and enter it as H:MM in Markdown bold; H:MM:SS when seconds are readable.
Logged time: **5:21:47**
